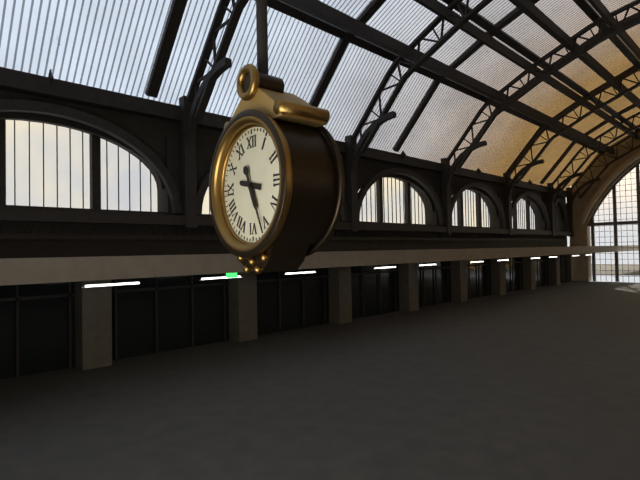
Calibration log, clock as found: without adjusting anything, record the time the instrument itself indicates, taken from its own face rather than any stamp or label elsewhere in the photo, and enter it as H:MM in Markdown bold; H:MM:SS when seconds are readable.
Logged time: **9:26**
